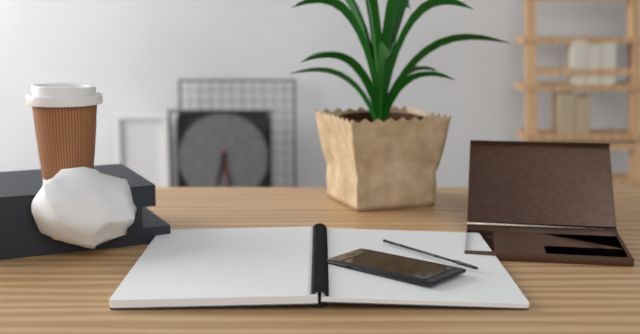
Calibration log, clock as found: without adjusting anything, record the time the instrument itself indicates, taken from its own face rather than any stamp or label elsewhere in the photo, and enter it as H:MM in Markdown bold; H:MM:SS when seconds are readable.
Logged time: **6:28**
